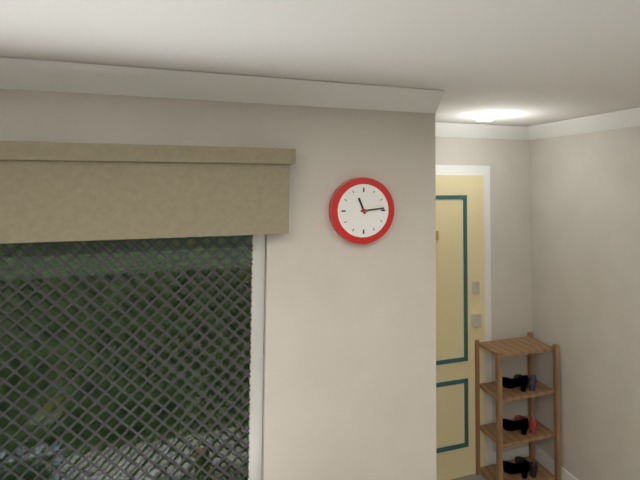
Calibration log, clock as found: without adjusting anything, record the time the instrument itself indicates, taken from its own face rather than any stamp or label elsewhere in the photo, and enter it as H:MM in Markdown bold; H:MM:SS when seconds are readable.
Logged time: **11:14**
